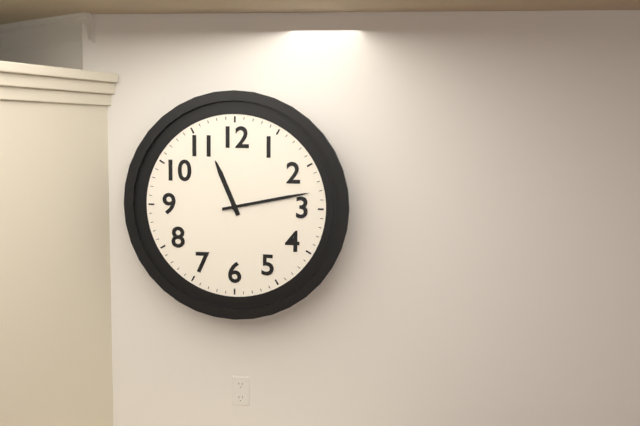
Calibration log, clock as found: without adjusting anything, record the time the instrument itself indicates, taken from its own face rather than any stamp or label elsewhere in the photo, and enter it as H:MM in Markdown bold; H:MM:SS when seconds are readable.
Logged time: **11:13**
